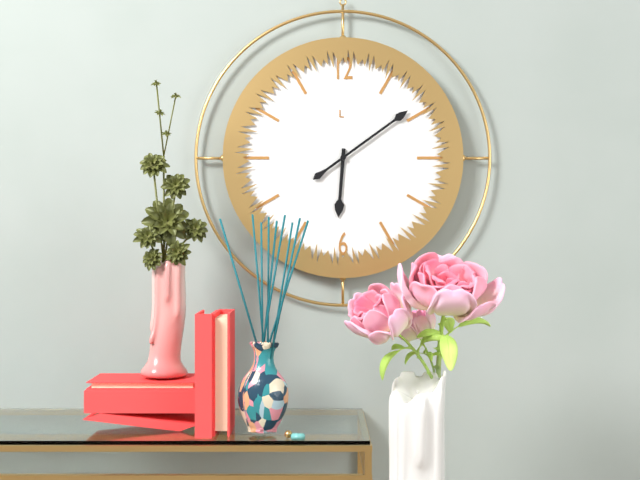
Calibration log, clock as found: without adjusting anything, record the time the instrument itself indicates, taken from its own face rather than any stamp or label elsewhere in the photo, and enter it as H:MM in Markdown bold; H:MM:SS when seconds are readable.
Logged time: **6:09**
